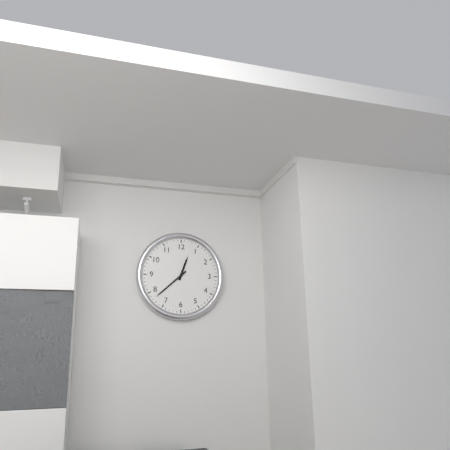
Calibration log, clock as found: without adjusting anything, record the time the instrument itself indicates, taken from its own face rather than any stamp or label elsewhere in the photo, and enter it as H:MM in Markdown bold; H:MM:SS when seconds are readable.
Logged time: **12:38**
